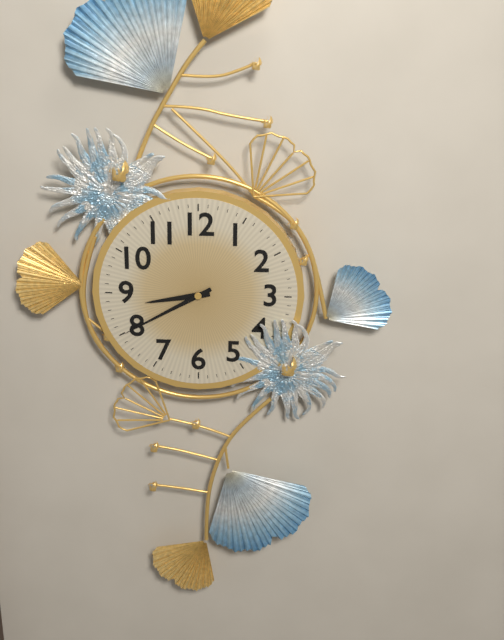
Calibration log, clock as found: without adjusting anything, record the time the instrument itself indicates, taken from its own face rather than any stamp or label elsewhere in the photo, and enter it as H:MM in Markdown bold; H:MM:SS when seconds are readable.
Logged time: **8:40**
